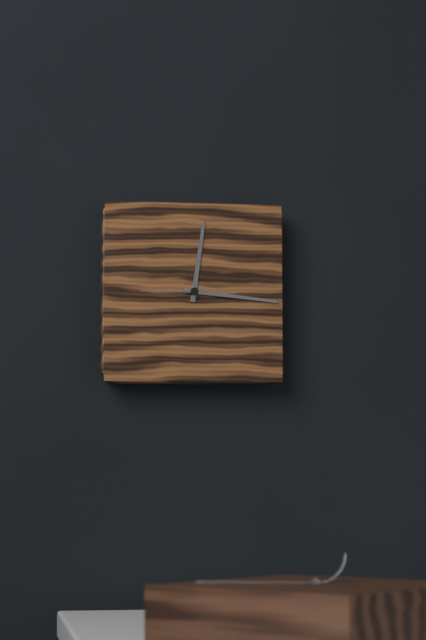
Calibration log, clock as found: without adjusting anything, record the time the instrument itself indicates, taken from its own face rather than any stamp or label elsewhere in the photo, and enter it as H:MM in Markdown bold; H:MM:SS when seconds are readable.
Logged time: **12:16:45**
